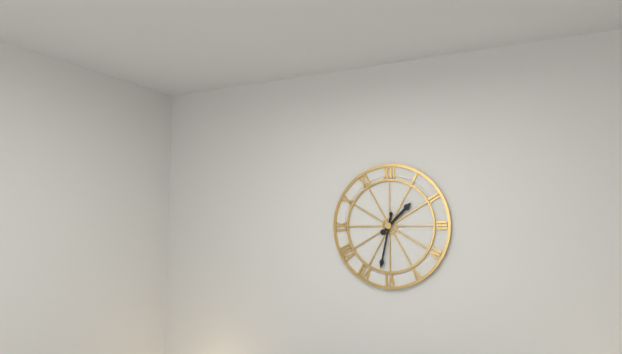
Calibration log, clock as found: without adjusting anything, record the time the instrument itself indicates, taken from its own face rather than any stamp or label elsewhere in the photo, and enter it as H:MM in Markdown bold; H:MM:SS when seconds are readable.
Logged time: **1:32**
